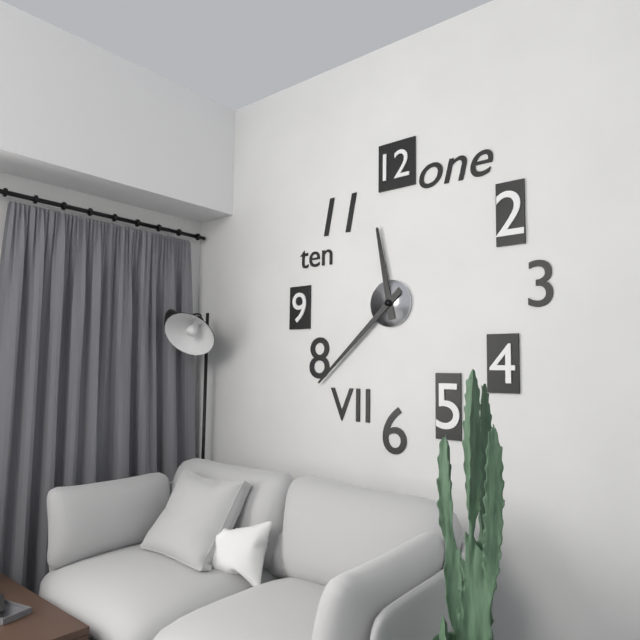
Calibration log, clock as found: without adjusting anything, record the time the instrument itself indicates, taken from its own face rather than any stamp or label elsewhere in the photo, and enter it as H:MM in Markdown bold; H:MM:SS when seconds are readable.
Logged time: **11:38**
